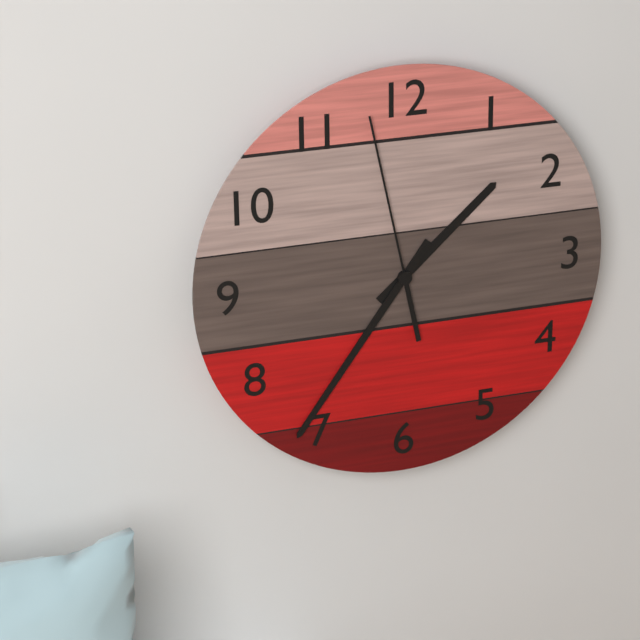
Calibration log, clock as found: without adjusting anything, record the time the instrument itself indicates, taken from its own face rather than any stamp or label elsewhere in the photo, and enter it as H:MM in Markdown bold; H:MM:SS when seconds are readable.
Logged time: **1:36:58**
